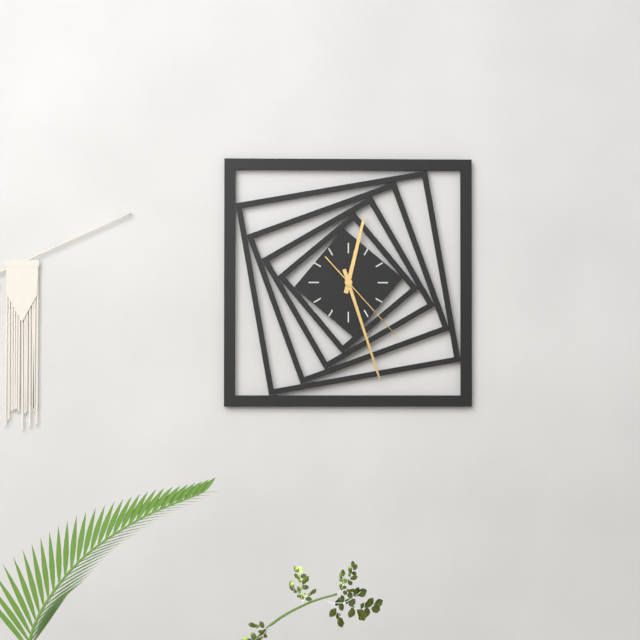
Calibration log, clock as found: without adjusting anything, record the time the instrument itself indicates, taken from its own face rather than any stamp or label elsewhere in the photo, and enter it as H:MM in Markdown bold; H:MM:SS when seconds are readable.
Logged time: **12:27:23**
